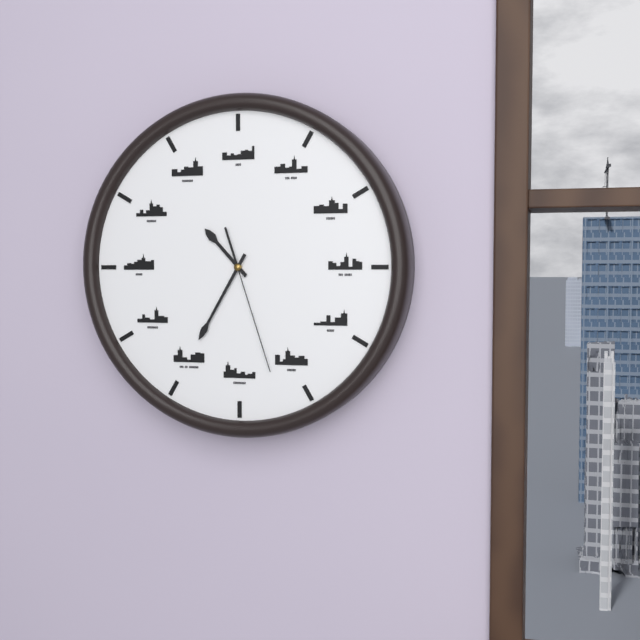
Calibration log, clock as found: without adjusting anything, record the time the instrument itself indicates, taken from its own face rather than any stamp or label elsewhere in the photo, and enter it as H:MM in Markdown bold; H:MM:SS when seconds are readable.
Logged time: **10:35:27**
